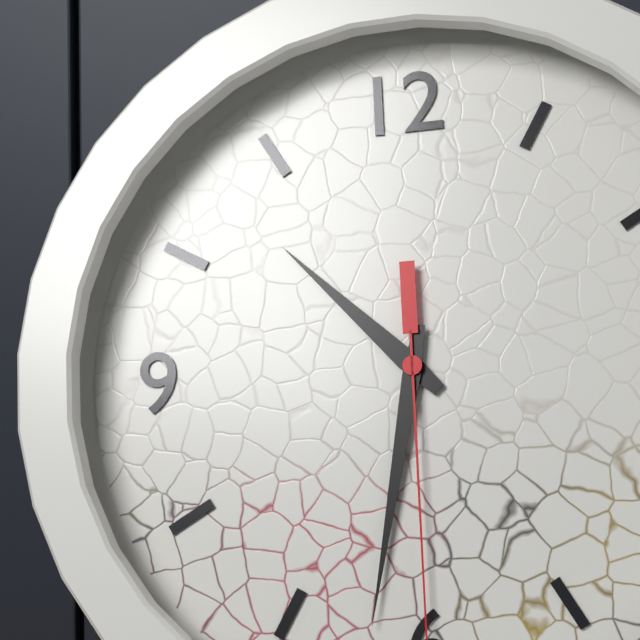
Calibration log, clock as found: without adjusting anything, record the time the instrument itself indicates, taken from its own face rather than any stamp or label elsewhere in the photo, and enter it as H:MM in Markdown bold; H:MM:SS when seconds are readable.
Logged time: **10:32:30**
